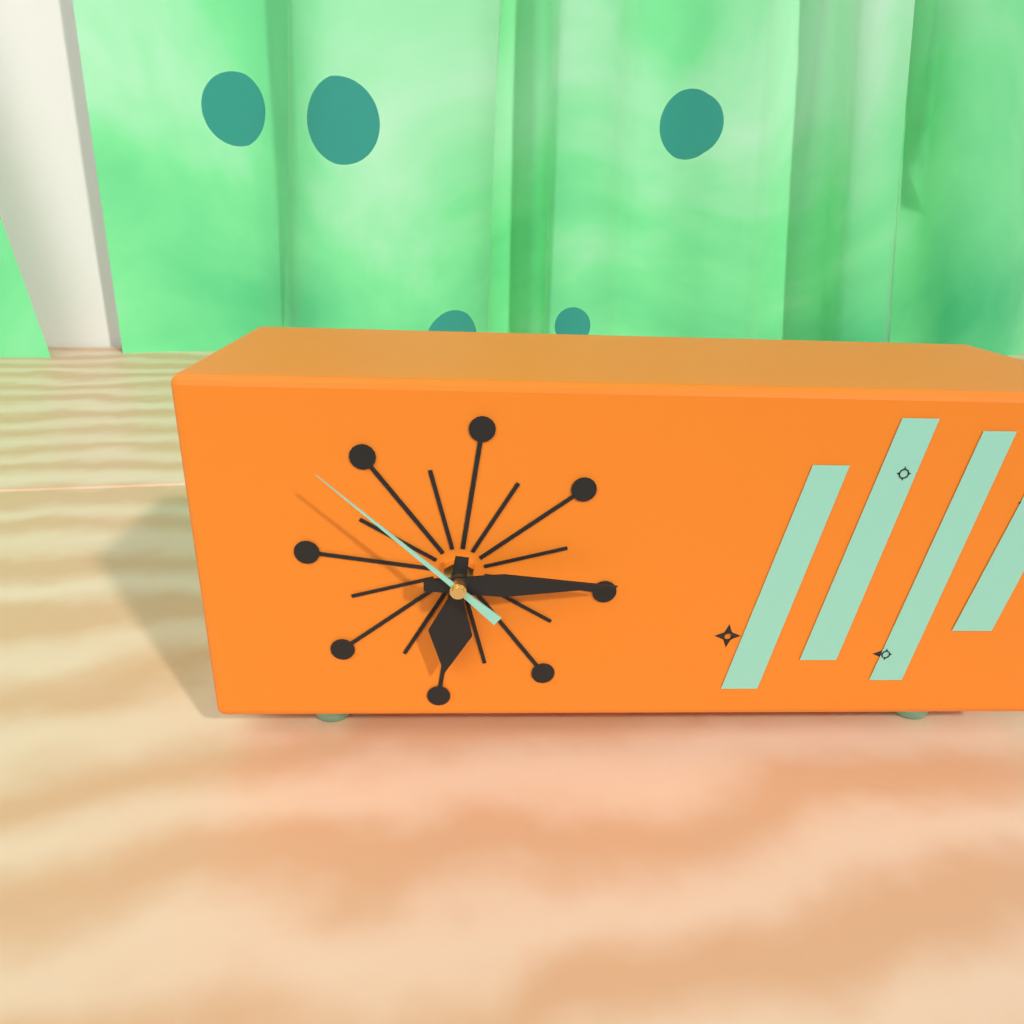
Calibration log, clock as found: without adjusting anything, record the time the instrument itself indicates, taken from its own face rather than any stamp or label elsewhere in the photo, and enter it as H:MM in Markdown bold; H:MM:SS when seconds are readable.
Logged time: **6:15:52**
